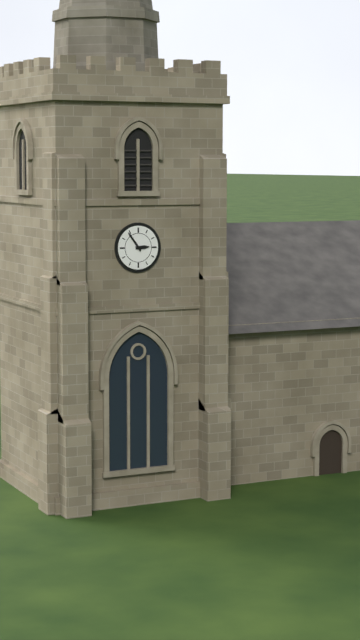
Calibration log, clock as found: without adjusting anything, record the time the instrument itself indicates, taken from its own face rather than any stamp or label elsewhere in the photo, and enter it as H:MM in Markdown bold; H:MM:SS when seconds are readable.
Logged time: **2:54**
